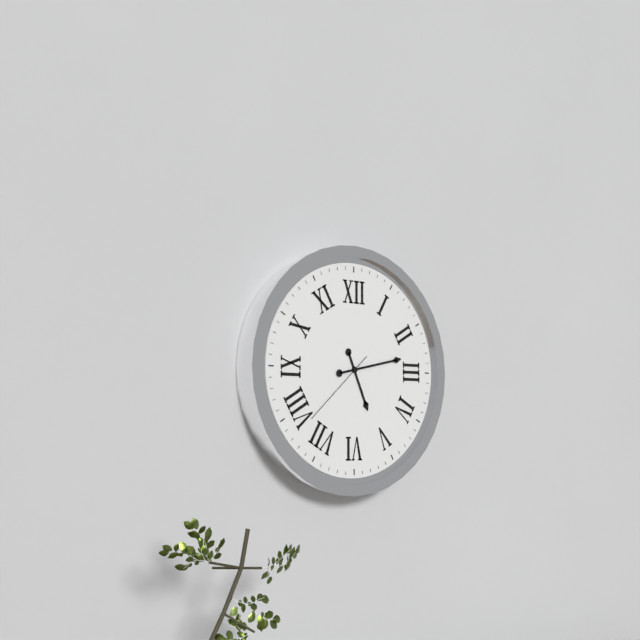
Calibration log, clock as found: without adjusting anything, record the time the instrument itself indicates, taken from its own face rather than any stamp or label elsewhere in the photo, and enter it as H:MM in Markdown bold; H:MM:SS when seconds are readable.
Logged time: **5:13:38**
